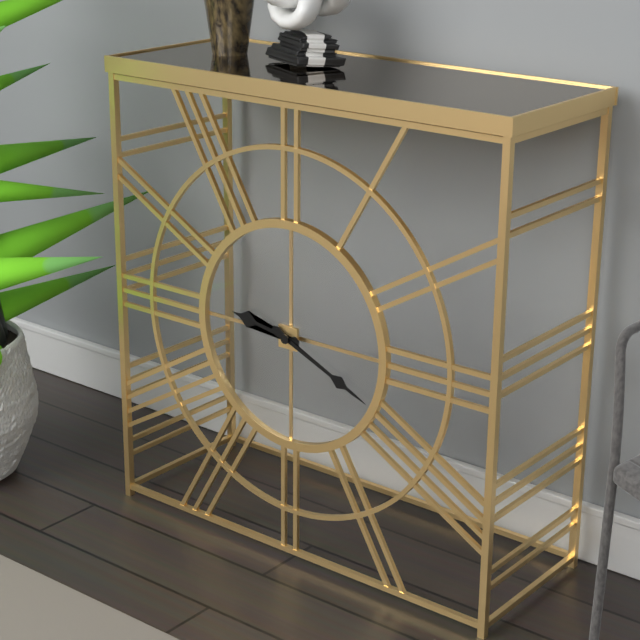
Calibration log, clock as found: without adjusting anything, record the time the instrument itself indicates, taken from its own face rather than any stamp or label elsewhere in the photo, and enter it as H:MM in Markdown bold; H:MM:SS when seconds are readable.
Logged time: **9:19**
